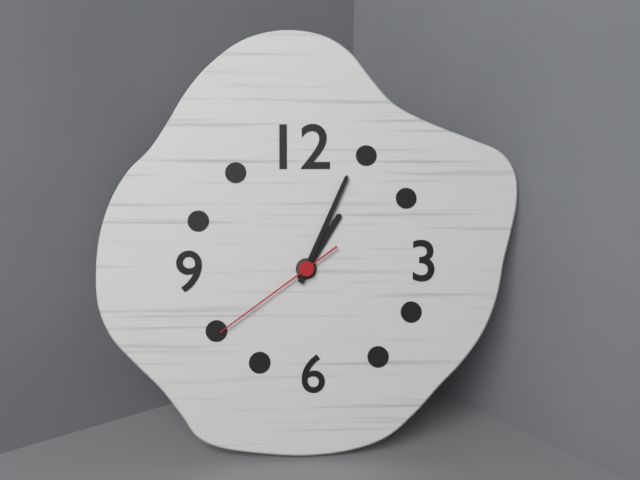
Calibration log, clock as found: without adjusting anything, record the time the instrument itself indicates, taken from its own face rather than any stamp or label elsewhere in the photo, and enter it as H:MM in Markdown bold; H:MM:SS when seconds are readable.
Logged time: **1:04:39**
